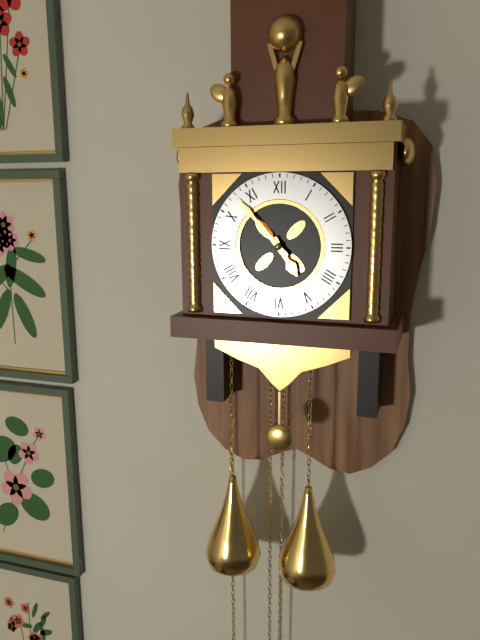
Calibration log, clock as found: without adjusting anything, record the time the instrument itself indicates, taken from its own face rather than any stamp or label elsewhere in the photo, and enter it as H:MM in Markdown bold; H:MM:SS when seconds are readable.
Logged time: **4:53**
